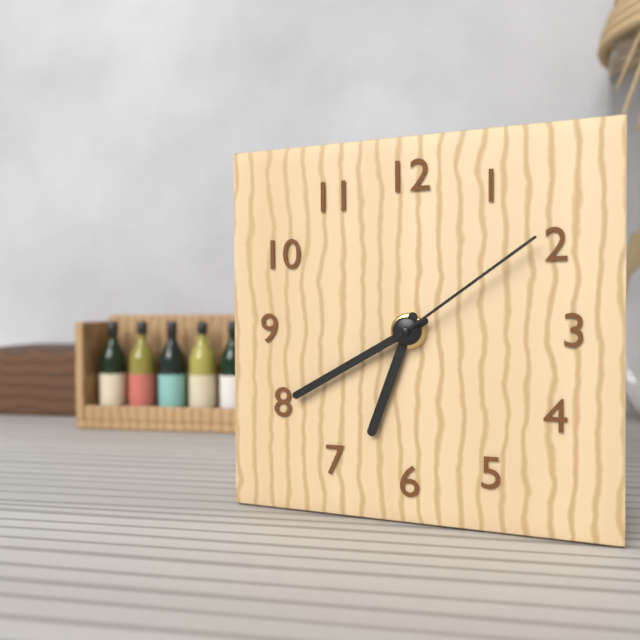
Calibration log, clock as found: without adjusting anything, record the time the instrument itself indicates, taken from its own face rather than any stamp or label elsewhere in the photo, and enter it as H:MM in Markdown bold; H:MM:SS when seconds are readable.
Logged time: **6:40:09**
